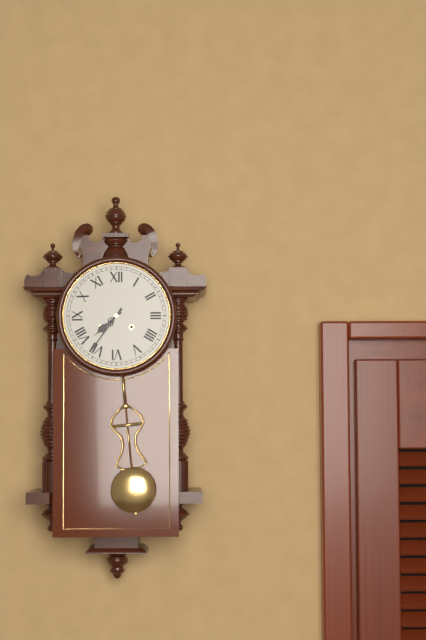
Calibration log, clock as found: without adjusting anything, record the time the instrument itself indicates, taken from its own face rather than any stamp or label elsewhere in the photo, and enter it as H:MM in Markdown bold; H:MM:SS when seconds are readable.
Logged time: **7:36**
